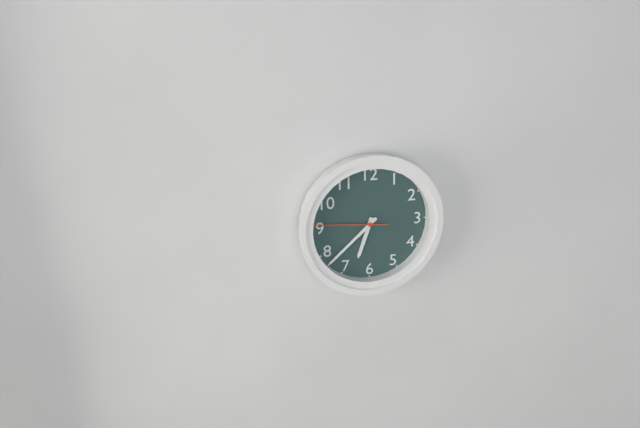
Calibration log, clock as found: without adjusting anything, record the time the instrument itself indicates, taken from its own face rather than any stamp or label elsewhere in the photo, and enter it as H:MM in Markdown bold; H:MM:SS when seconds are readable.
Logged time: **6:38:46**
